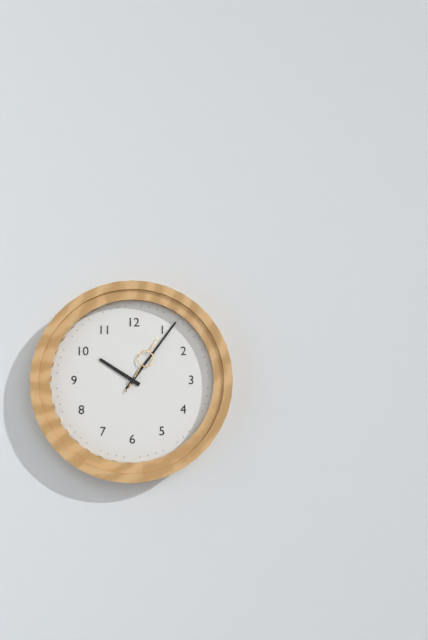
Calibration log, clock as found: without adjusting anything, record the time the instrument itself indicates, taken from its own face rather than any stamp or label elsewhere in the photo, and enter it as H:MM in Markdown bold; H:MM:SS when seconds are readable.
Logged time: **10:06:05**
